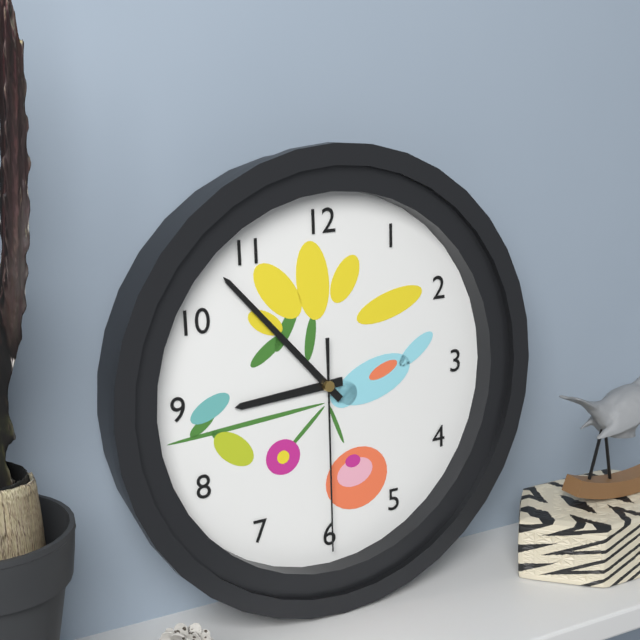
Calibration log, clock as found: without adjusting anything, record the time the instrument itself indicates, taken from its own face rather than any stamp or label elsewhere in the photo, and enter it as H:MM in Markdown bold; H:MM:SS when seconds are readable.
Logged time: **8:53:30**
